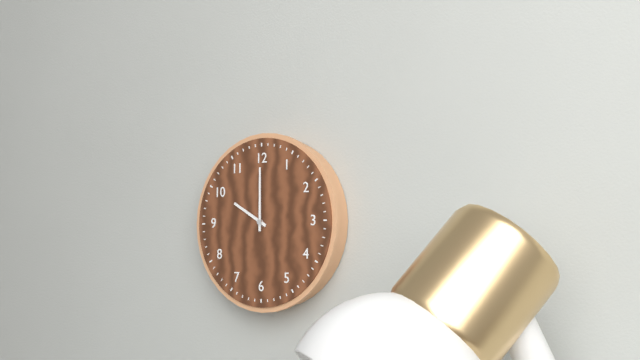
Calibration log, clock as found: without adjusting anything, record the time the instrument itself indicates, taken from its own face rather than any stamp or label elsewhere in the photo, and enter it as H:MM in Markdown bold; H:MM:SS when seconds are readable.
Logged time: **10:00**
